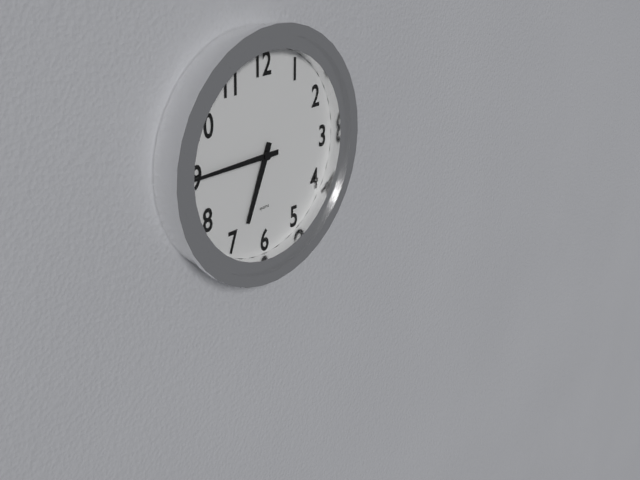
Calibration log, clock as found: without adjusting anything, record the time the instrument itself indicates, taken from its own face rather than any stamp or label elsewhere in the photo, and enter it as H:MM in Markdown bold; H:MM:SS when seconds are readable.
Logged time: **6:45**
